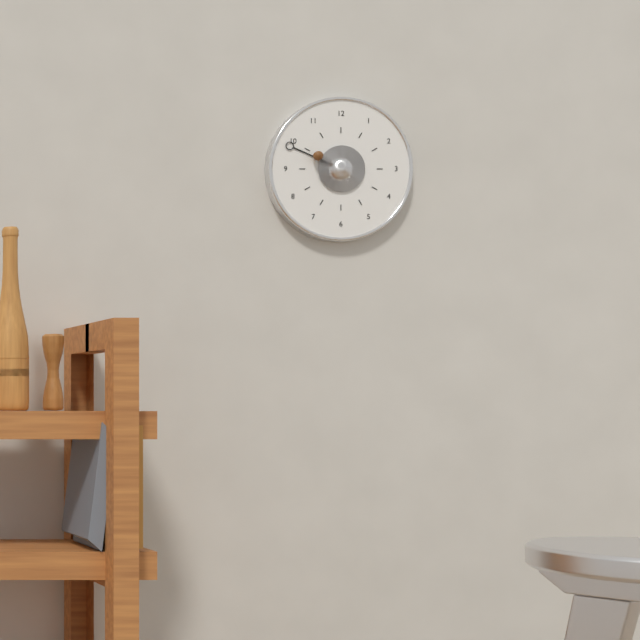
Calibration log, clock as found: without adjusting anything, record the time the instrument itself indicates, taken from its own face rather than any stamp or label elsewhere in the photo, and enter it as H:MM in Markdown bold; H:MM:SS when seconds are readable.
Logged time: **9:49**
